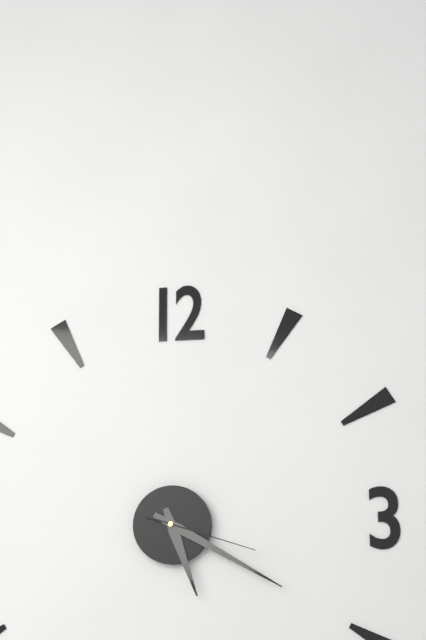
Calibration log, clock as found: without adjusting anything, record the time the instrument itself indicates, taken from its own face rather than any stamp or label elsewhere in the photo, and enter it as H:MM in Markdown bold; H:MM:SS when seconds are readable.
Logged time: **5:20:18**
